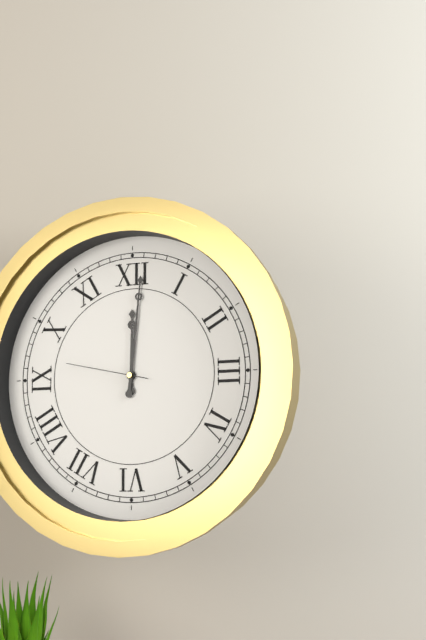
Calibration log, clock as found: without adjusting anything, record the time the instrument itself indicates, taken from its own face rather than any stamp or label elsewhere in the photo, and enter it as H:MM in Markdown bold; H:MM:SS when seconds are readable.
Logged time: **12:01:47**
